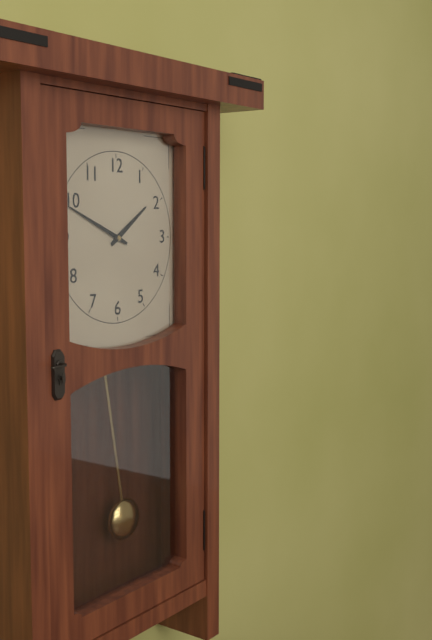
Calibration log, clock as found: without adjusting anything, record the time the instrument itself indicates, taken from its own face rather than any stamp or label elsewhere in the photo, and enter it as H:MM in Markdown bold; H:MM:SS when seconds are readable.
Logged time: **1:49**
